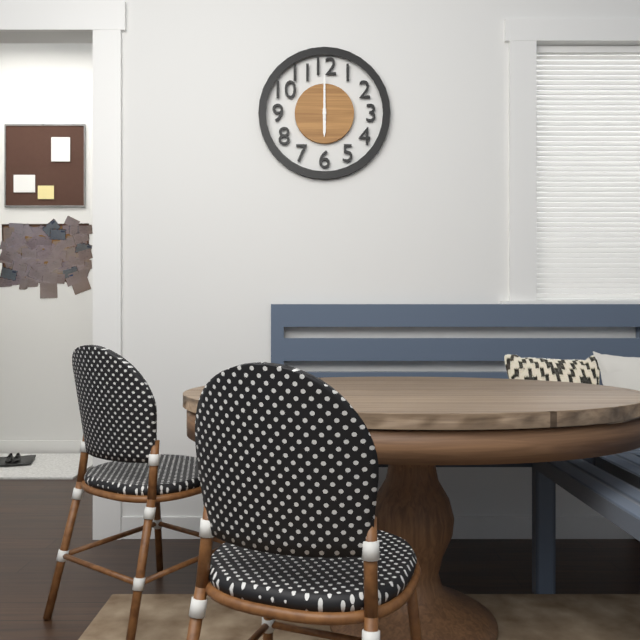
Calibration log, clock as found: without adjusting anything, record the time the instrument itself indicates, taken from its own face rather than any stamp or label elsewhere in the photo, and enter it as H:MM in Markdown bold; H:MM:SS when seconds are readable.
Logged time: **6:00**
